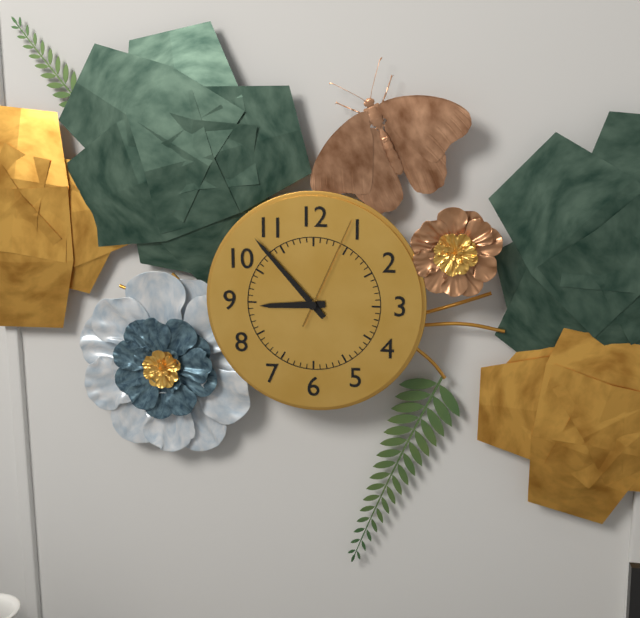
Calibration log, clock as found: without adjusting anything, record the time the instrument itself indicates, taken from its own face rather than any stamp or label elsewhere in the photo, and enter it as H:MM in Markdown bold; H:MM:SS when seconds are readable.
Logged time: **8:53:04**
